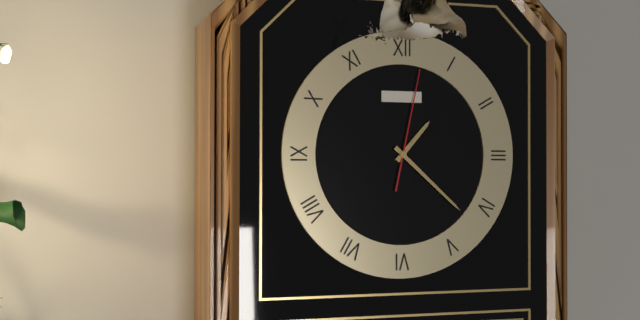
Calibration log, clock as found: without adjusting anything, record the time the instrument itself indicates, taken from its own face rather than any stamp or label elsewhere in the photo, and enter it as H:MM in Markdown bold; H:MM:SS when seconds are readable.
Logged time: **1:22:02**
